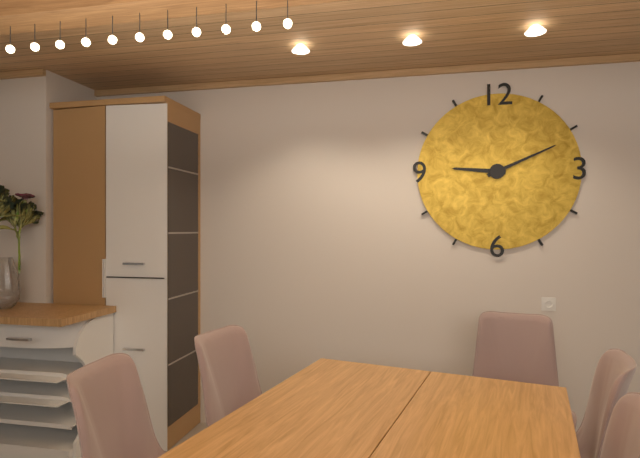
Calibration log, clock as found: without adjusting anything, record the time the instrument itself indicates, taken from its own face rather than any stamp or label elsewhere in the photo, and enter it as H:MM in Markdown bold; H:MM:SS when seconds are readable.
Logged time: **9:11**
